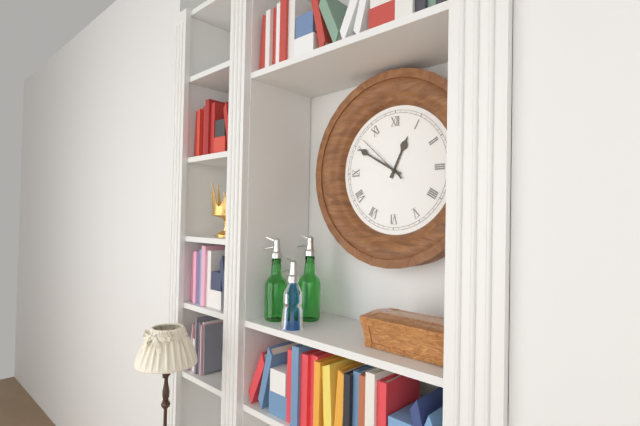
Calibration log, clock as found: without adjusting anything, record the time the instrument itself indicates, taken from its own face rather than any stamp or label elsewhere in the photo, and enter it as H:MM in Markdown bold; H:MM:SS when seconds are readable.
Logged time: **12:50:52**
